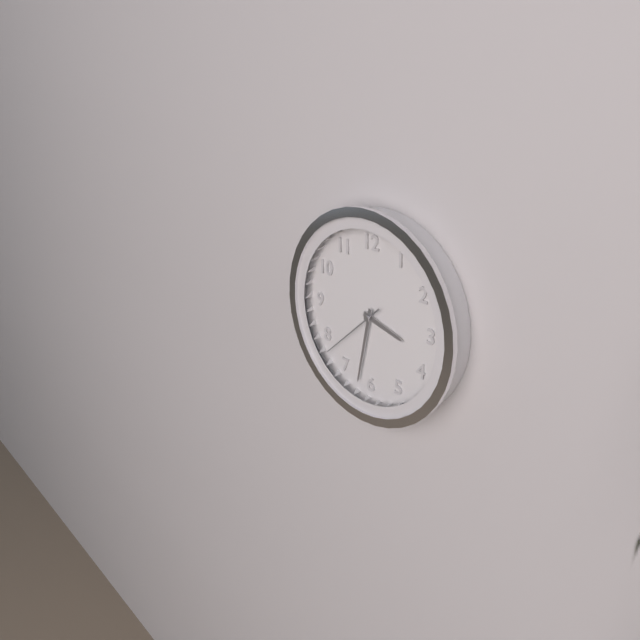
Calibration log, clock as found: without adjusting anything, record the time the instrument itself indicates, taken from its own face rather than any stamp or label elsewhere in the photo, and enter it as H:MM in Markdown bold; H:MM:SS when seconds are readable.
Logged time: **3:32:38**
